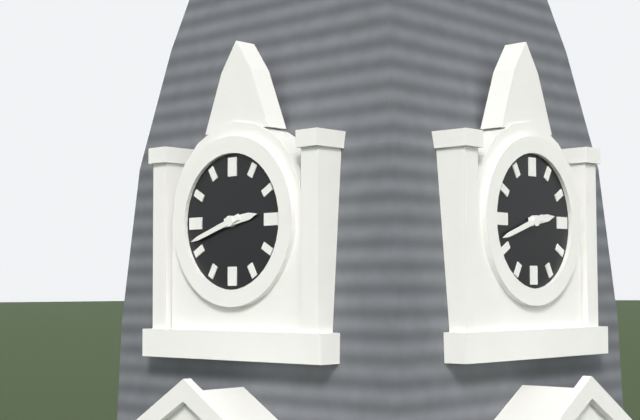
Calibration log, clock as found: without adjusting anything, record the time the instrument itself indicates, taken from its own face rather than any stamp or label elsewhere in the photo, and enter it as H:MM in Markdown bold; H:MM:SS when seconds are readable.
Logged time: **2:42**
